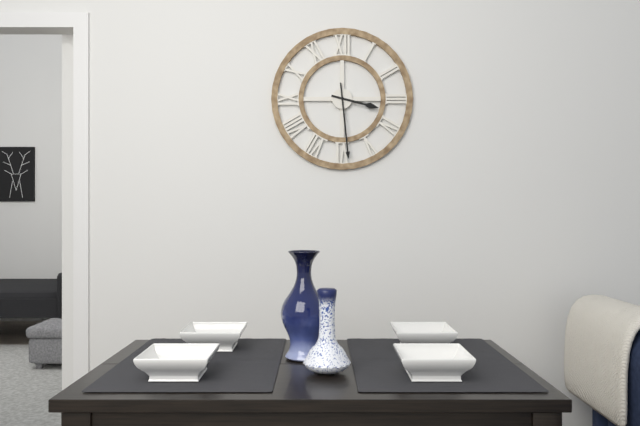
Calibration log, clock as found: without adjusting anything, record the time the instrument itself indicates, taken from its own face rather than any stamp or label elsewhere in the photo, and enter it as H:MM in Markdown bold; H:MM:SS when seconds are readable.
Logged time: **3:29**
